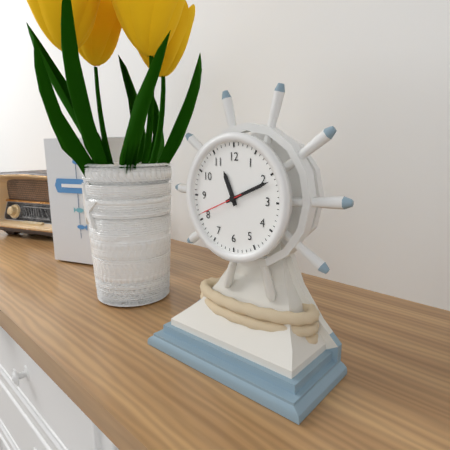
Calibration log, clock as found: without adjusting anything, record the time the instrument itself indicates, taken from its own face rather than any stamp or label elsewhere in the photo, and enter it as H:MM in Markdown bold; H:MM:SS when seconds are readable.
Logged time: **11:11**
